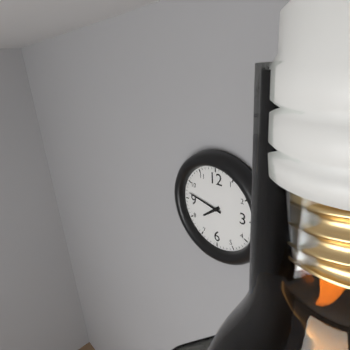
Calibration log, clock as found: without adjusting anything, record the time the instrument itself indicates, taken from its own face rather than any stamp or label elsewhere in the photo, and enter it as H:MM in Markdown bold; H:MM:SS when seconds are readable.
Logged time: **7:47**
